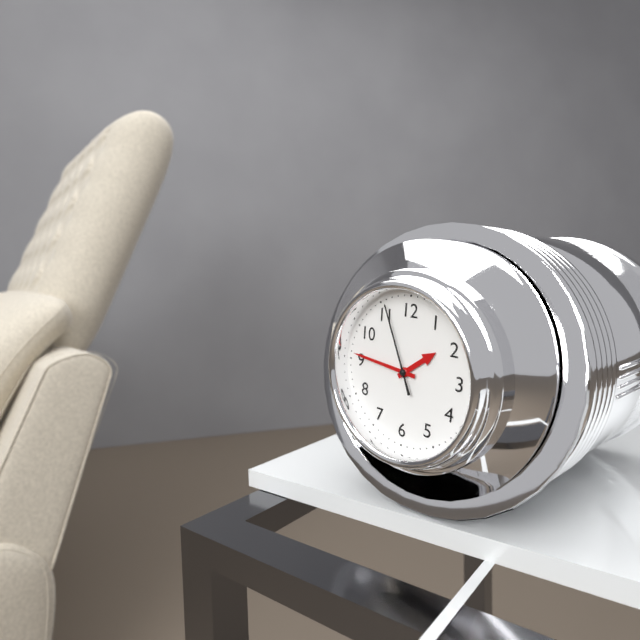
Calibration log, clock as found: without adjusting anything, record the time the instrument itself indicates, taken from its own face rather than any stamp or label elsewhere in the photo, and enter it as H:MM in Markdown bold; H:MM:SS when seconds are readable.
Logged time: **1:46:56**
